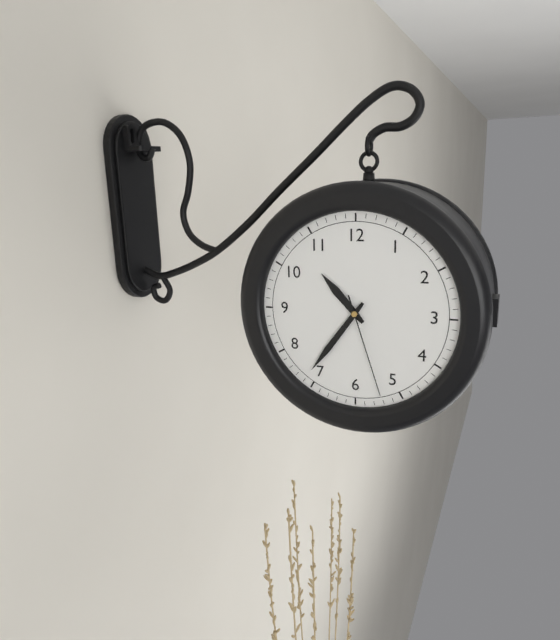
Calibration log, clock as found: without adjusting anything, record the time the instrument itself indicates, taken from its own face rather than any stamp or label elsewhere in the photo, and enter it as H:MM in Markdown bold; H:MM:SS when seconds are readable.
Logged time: **10:36:27**
